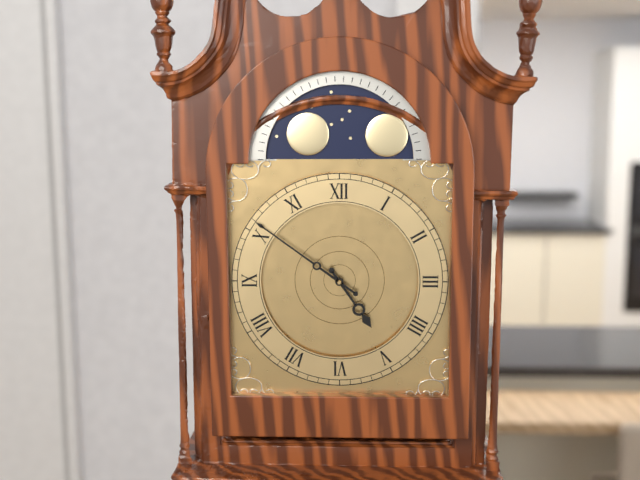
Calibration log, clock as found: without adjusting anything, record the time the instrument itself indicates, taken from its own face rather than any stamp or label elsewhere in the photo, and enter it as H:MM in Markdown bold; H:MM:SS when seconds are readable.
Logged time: **4:51**
